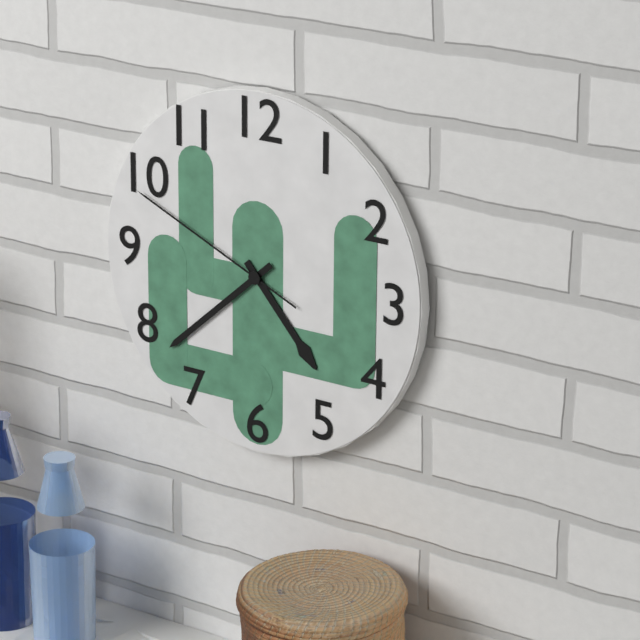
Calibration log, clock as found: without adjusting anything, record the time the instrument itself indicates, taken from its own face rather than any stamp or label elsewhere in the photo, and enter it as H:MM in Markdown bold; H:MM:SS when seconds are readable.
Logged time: **4:38:49**
